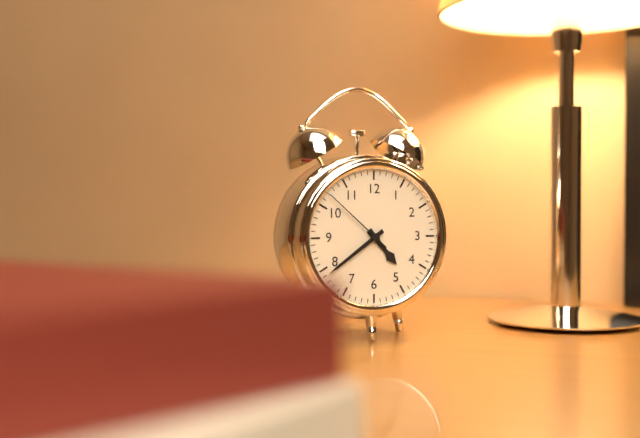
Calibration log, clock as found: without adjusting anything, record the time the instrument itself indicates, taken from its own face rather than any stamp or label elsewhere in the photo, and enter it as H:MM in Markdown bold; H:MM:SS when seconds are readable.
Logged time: **4:39:52**
